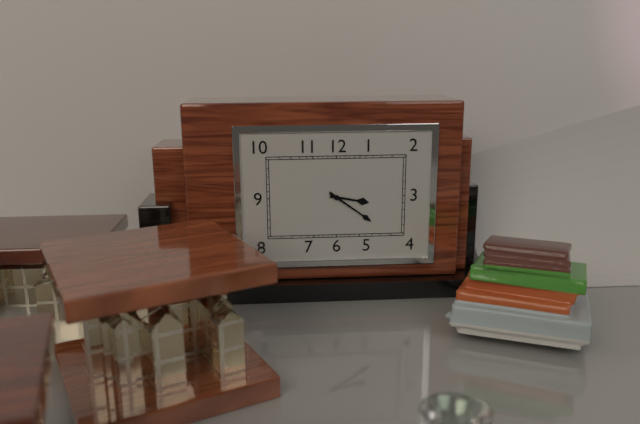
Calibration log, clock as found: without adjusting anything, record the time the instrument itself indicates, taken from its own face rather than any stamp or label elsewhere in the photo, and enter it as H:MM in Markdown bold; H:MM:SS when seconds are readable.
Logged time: **3:21**
